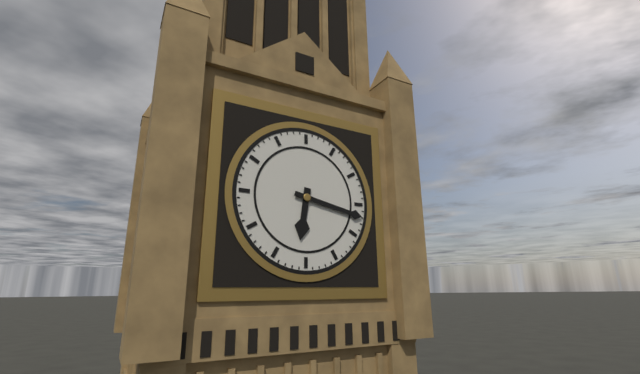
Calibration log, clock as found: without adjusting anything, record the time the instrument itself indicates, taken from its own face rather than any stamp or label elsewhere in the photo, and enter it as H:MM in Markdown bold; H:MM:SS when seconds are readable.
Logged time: **6:17**
